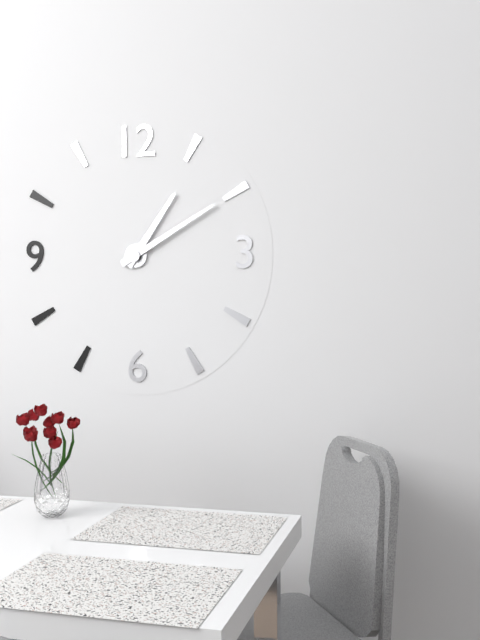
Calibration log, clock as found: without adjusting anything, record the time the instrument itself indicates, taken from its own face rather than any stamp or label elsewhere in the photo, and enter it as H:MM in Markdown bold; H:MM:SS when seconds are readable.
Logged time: **1:10**
